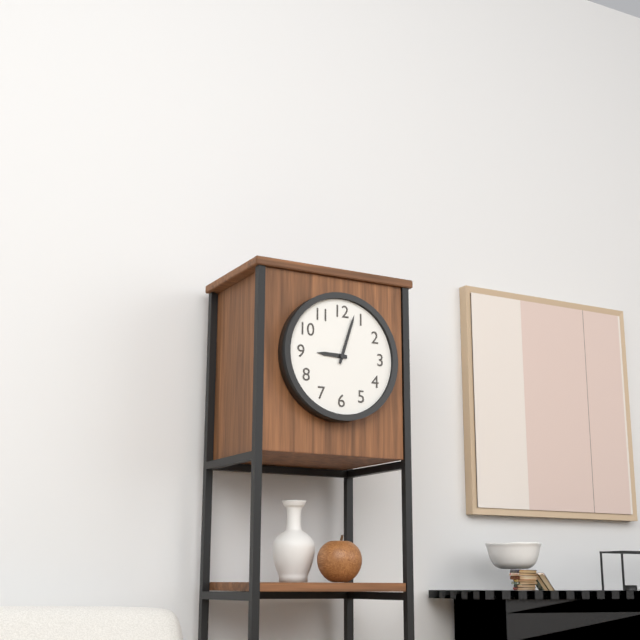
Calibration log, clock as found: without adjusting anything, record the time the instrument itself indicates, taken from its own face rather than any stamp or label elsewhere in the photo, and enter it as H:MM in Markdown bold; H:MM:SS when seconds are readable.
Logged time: **9:03**
